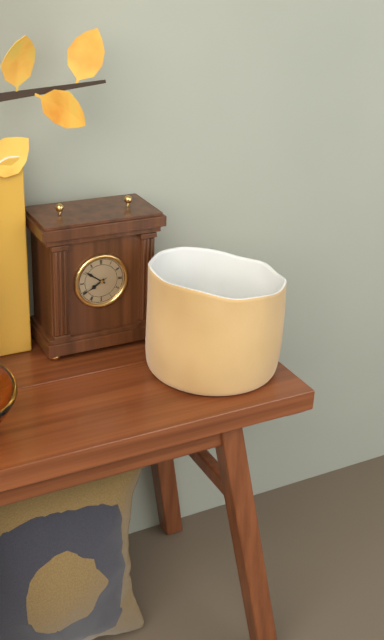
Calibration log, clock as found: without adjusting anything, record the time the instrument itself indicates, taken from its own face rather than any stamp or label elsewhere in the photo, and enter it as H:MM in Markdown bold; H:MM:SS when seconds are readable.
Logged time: **7:51**
